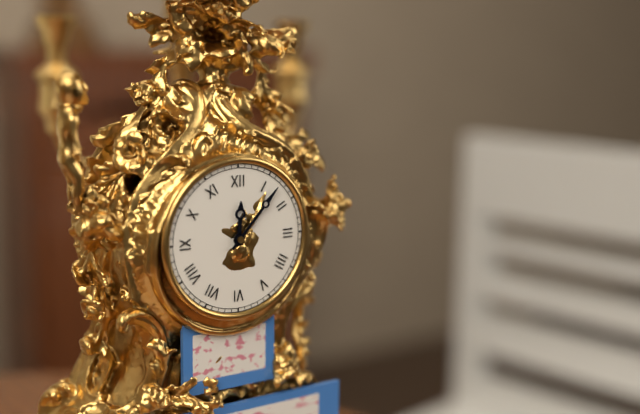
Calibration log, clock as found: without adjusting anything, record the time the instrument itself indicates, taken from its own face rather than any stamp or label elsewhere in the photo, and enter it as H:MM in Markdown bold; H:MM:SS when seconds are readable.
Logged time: **12:07**
